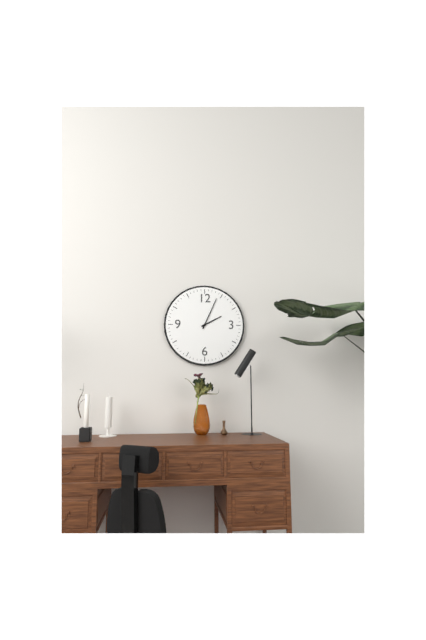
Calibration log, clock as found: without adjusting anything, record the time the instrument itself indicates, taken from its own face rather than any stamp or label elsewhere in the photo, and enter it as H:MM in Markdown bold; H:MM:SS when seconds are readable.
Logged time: **2:04**
